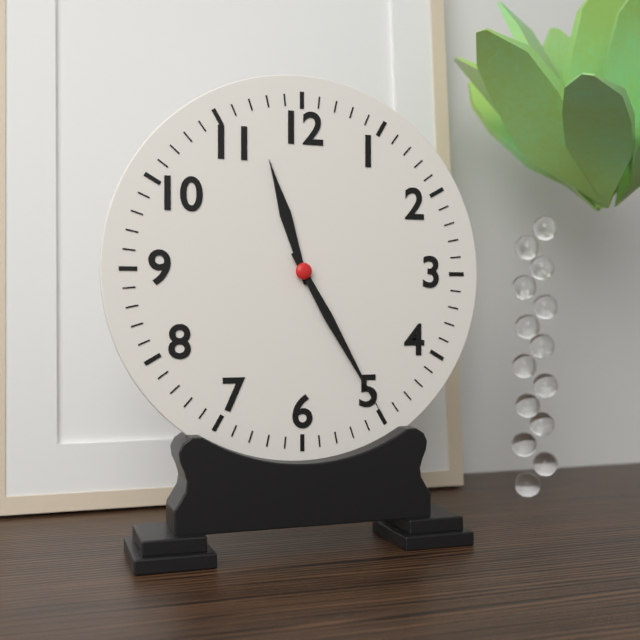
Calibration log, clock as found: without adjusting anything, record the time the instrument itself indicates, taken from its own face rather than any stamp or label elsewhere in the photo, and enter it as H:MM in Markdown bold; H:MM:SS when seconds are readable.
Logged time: **11:25**
